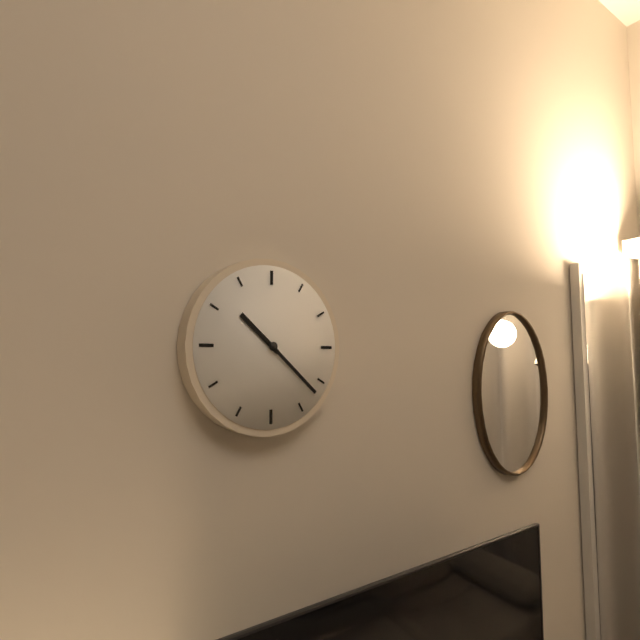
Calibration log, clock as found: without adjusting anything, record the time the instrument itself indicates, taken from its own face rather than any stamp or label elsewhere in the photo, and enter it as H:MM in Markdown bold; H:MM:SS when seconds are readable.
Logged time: **10:22**
